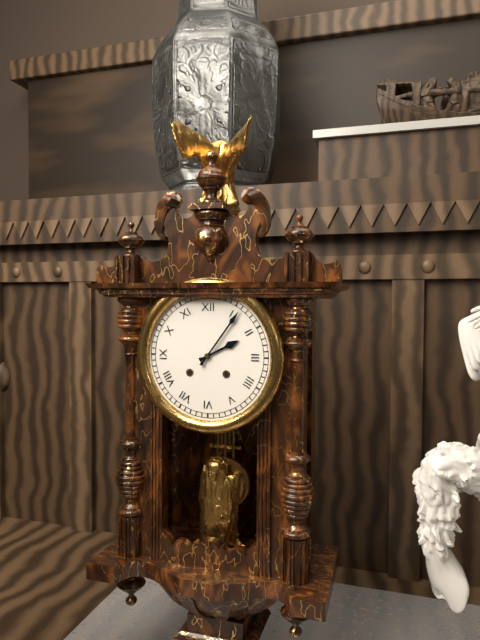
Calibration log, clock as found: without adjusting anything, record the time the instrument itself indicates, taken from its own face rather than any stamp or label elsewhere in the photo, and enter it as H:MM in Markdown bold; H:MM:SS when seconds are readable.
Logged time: **2:06**
